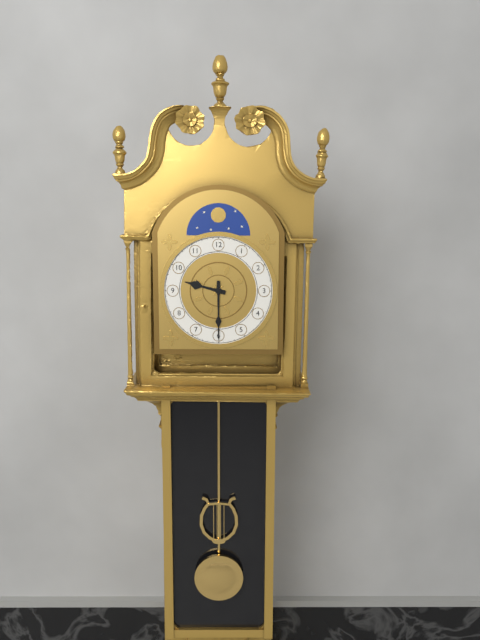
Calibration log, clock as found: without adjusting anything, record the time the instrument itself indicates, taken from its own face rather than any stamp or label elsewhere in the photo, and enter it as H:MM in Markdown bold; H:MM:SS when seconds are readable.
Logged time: **9:30**
